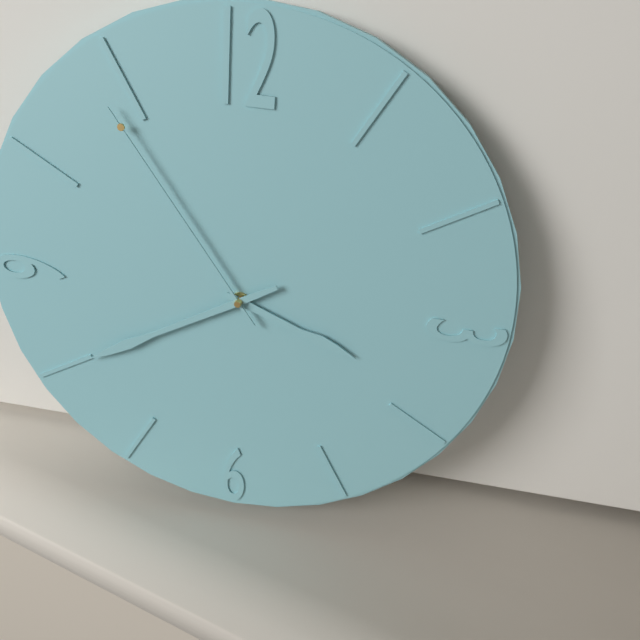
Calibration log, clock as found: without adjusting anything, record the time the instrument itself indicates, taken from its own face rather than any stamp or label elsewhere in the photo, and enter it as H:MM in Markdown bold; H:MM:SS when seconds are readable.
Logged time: **3:40:54**
